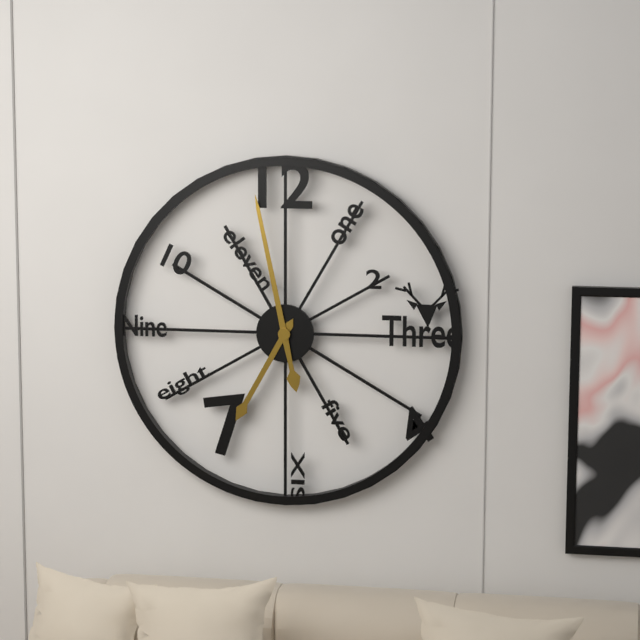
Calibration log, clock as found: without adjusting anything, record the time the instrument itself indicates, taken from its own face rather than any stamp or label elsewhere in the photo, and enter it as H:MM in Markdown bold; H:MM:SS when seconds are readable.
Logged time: **6:58**
